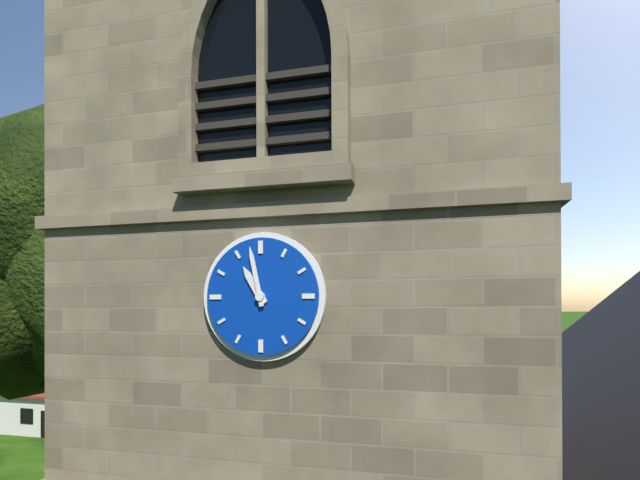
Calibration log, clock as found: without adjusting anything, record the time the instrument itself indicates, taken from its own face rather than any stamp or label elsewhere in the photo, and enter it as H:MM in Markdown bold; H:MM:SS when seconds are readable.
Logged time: **10:58**
